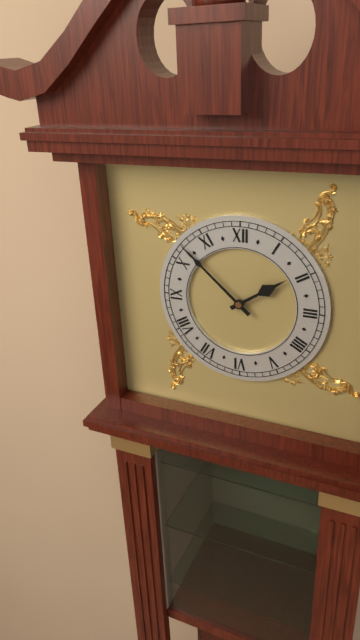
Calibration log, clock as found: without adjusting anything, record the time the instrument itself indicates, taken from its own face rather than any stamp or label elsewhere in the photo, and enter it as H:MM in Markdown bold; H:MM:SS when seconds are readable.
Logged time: **1:52**
